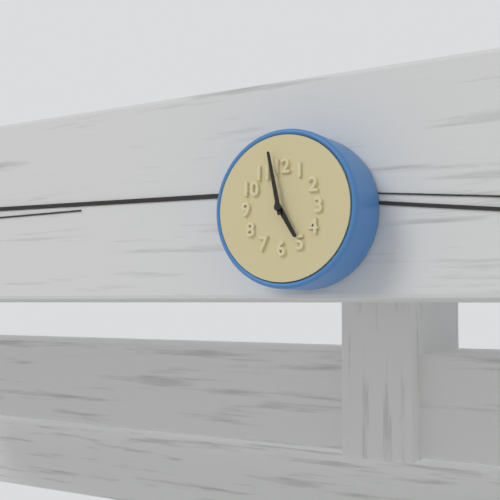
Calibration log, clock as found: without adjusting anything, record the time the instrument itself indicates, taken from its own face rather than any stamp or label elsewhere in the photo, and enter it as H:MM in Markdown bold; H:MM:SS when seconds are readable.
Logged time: **4:58**
